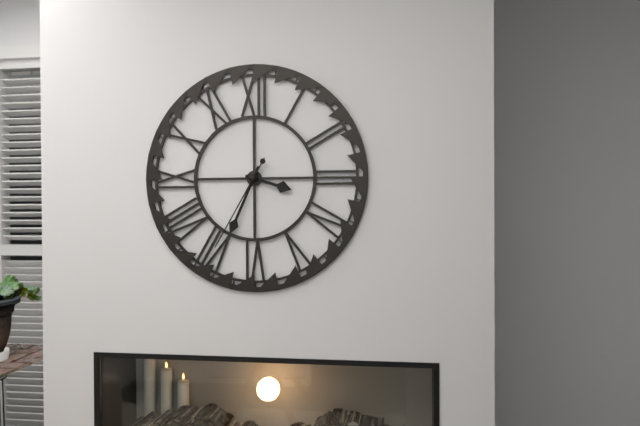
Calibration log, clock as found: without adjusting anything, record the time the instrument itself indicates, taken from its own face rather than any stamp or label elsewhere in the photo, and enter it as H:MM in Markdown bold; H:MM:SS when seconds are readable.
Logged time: **3:34:35**
